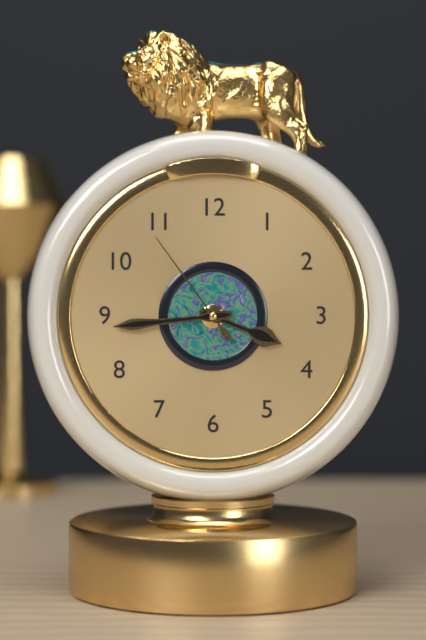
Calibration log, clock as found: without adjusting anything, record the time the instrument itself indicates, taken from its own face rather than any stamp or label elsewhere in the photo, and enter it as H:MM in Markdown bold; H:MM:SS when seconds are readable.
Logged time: **3:44:54**
